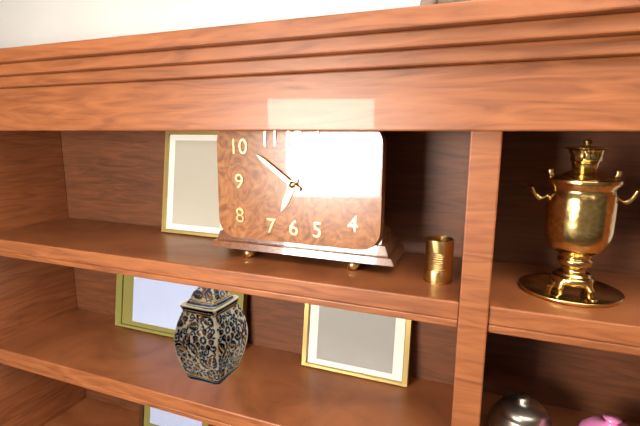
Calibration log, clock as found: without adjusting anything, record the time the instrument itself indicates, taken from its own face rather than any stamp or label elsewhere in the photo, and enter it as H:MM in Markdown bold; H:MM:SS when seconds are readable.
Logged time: **6:51**
